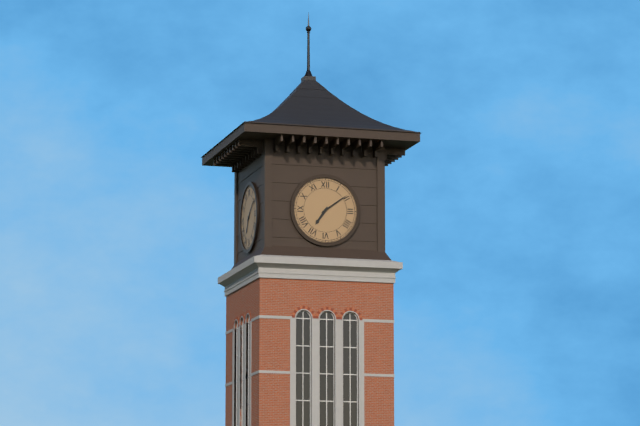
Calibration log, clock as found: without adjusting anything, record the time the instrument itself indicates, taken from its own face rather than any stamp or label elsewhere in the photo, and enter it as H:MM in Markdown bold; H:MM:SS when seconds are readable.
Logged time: **7:09**
